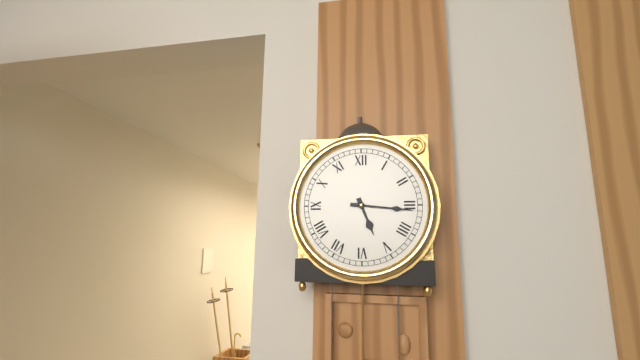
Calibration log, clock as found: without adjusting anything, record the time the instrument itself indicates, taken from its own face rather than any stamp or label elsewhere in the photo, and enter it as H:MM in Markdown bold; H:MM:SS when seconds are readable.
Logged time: **5:16**
